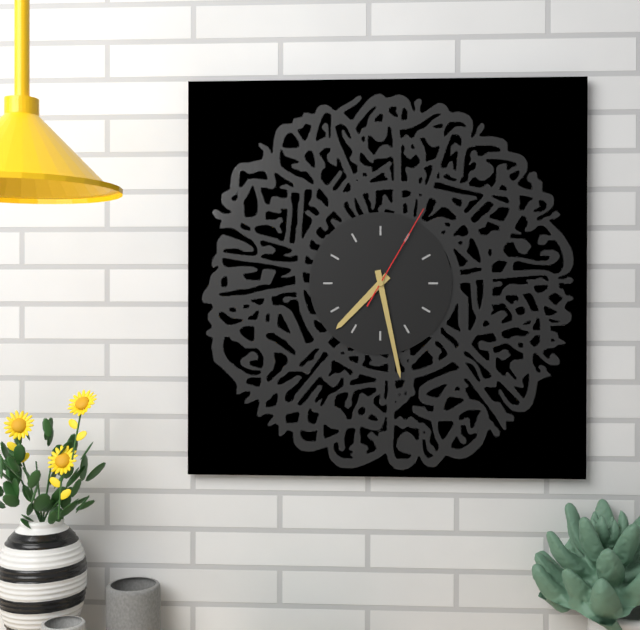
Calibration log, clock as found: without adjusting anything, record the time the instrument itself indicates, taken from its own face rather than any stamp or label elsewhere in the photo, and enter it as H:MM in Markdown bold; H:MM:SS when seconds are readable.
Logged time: **7:28:05**
